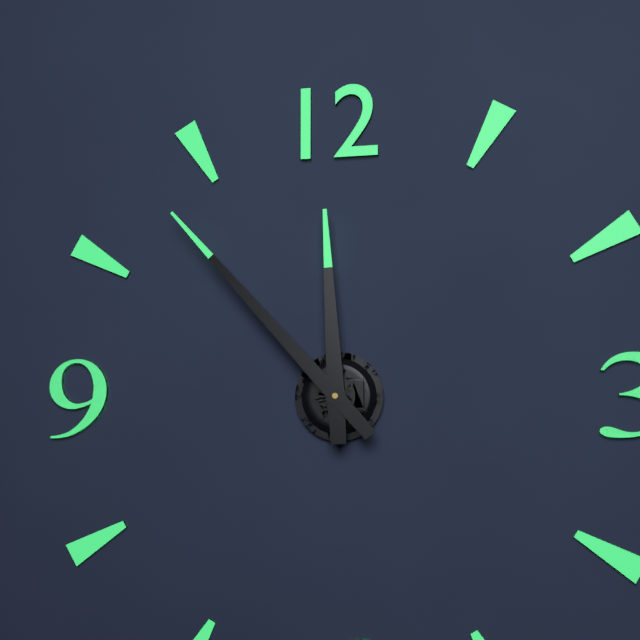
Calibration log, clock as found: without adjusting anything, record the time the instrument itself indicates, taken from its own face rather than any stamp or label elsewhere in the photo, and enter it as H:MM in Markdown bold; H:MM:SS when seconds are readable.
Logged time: **11:53**
